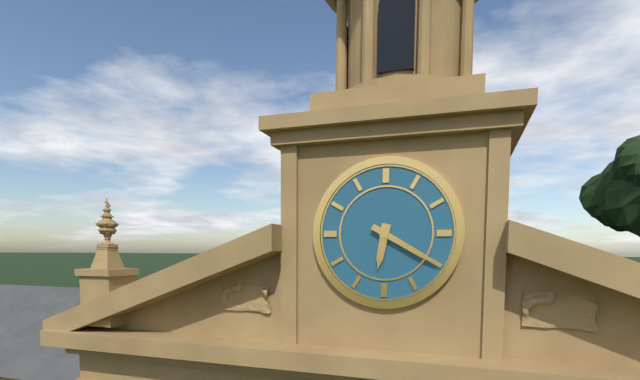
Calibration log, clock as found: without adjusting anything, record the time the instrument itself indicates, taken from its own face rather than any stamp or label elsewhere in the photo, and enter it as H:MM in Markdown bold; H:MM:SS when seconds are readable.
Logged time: **6:20**
